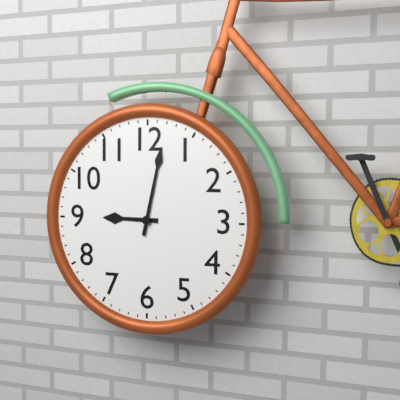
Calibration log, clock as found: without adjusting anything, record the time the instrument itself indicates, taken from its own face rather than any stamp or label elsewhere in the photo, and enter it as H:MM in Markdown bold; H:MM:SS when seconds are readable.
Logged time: **9:02**
